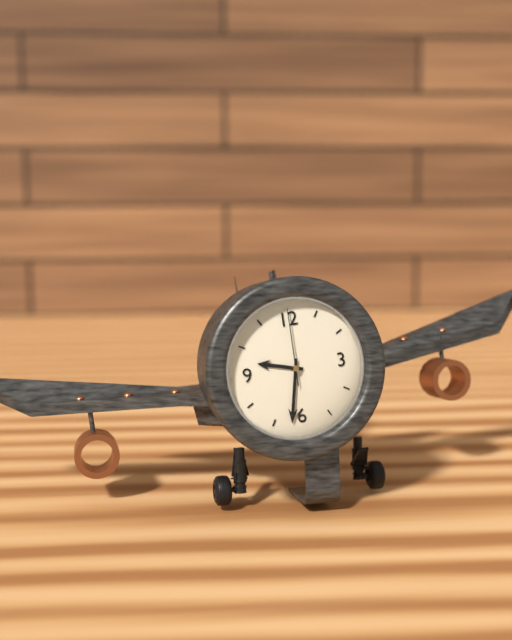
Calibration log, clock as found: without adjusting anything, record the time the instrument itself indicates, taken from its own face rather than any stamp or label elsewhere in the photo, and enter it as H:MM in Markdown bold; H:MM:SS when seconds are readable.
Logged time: **9:32:00**
